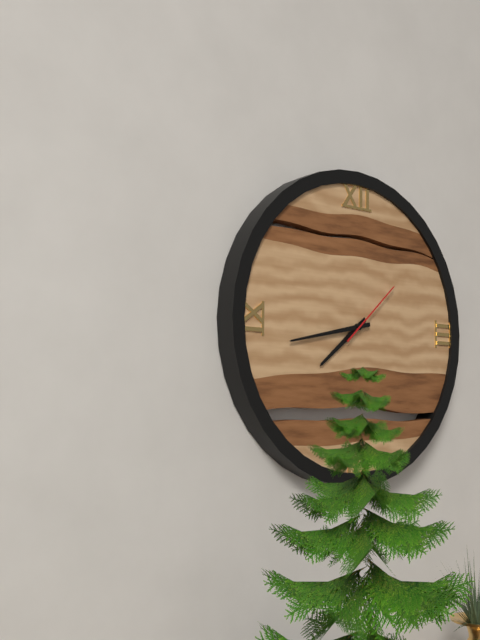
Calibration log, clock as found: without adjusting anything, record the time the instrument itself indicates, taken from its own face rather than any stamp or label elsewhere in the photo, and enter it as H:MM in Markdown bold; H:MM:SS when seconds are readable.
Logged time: **7:43:08**
